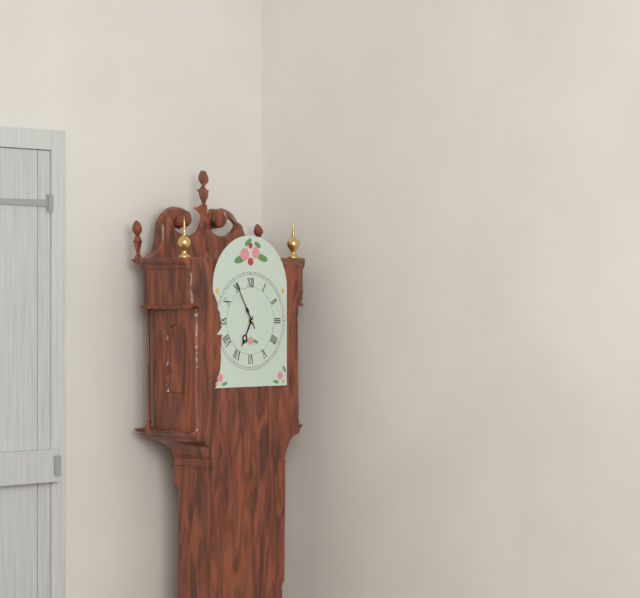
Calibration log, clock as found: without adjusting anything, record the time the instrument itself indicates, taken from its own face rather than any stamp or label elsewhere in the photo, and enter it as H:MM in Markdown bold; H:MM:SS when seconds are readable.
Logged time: **6:55**
